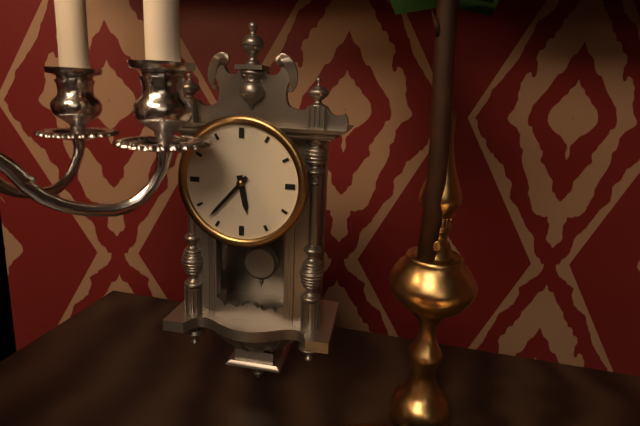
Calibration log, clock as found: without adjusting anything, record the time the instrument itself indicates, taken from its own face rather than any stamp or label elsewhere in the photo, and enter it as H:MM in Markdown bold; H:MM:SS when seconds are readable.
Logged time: **5:37**
